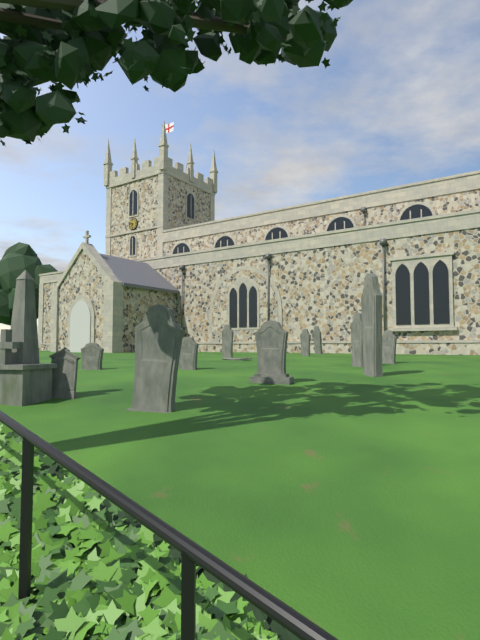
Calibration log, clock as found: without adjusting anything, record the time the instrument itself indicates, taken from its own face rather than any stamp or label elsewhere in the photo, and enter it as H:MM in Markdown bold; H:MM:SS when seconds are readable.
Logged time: **6:47**
